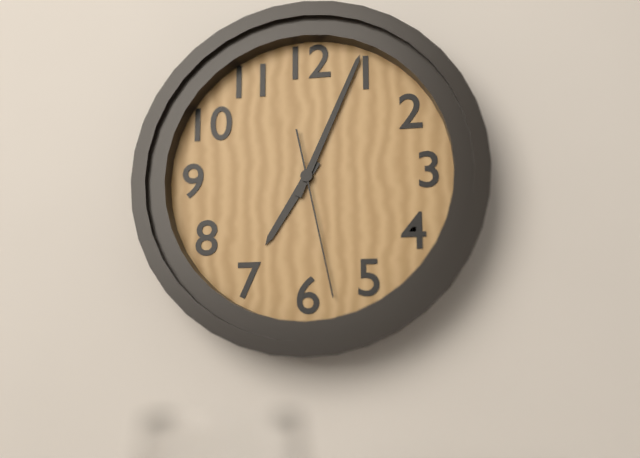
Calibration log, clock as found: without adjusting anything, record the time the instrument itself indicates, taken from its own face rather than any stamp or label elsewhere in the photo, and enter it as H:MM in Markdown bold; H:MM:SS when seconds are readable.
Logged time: **7:04:28**
